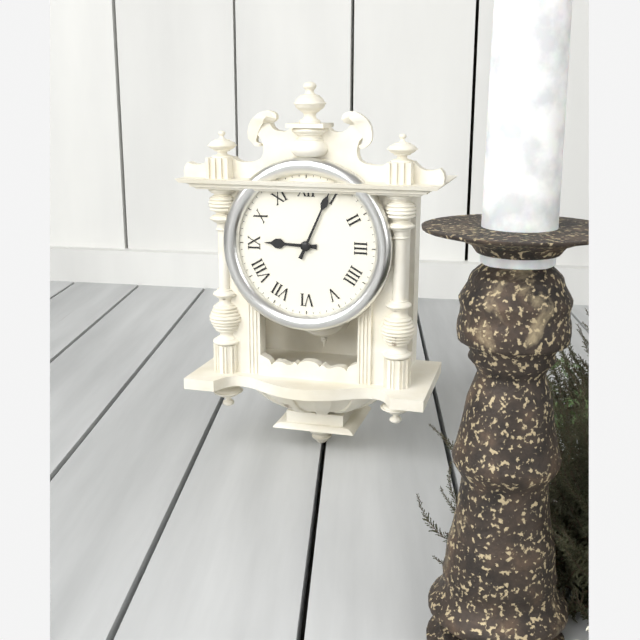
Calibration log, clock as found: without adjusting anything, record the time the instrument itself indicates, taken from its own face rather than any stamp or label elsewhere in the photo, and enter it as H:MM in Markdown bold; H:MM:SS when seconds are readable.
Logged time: **9:04**
